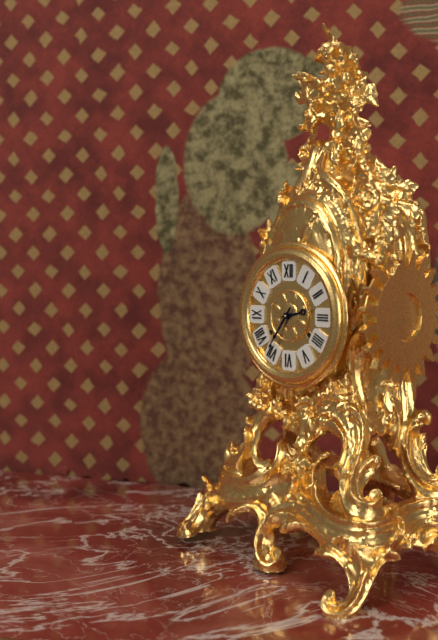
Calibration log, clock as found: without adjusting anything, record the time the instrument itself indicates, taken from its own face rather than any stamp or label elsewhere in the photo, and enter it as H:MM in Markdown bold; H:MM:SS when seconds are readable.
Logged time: **2:36**
